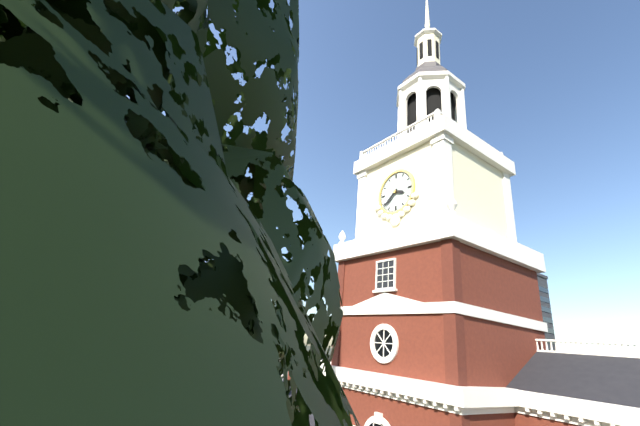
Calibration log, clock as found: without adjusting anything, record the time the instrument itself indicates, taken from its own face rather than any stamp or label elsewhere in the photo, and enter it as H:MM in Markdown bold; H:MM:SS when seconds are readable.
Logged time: **3:38**
